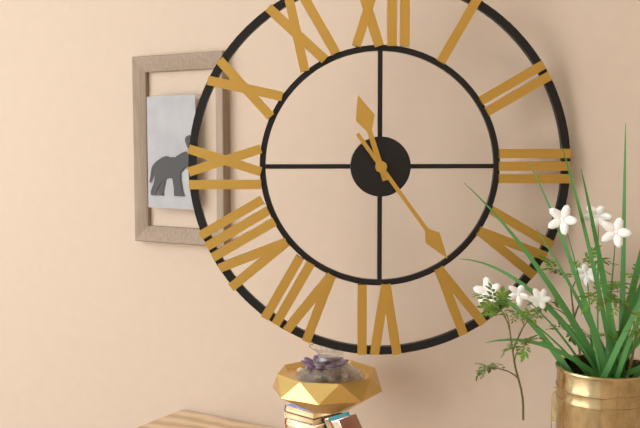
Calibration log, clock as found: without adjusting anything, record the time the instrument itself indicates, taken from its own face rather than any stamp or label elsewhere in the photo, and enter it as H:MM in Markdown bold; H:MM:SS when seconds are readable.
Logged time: **11:24**
